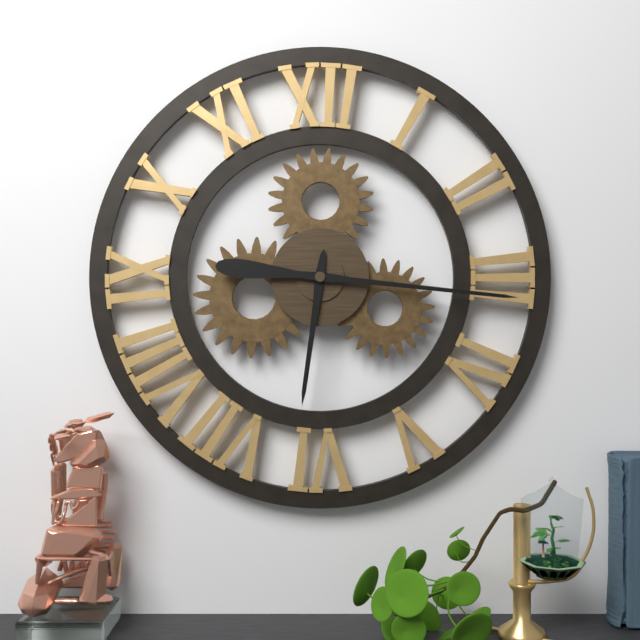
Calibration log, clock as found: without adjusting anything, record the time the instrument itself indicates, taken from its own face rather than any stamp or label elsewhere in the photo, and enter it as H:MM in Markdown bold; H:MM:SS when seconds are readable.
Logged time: **6:16**
